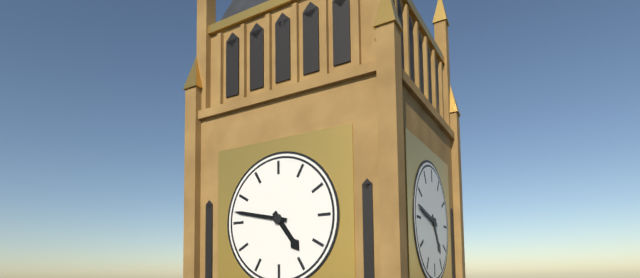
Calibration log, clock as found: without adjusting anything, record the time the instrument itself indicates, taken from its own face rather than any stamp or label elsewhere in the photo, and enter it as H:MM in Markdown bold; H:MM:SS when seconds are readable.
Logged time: **4:47**
